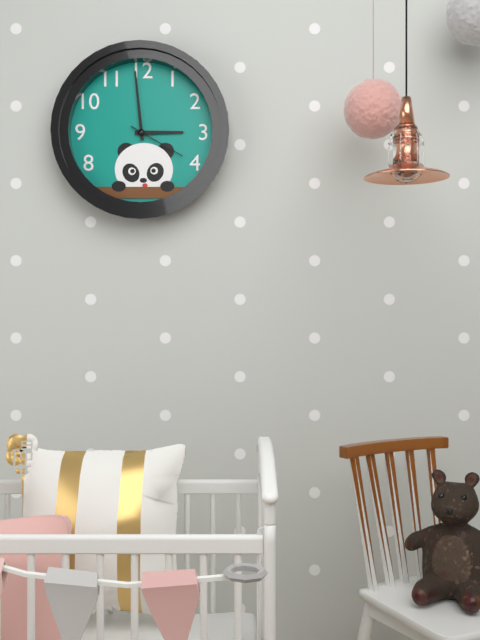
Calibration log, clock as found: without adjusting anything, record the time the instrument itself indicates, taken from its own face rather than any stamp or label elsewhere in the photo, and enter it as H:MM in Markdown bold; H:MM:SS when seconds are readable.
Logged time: **2:59:20**
